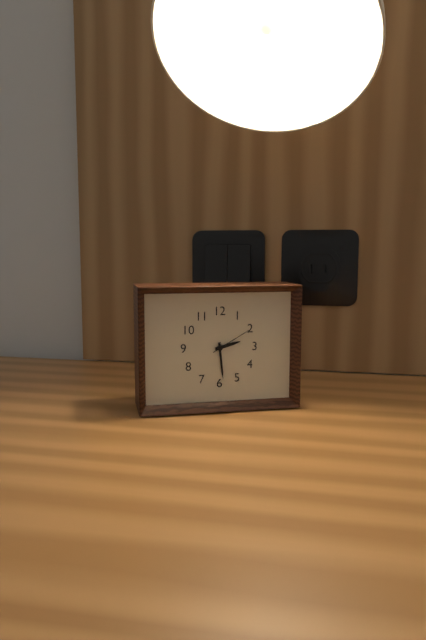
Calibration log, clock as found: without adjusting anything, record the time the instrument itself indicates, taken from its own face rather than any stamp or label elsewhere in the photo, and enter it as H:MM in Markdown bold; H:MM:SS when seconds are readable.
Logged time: **2:29**
